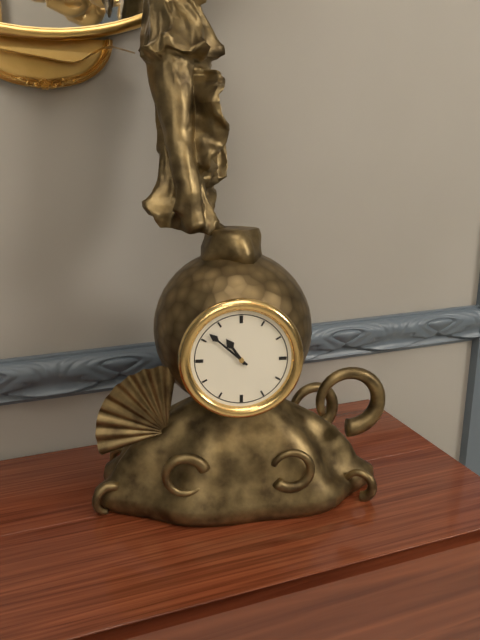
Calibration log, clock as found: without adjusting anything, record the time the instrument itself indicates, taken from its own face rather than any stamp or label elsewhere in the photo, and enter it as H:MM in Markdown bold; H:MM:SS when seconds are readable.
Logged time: **10:52**
